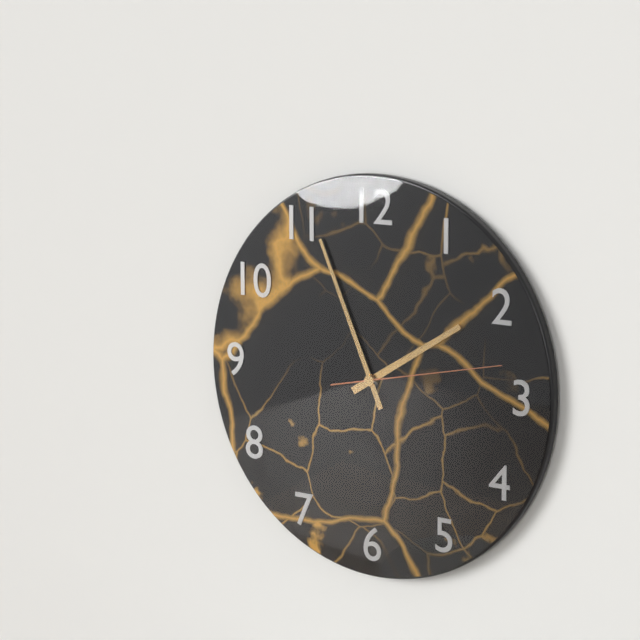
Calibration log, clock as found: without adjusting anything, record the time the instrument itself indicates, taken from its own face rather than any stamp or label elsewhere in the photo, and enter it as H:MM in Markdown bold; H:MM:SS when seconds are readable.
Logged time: **1:56:13**
